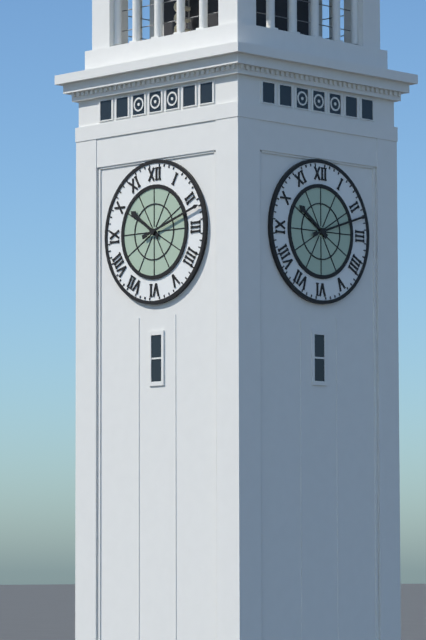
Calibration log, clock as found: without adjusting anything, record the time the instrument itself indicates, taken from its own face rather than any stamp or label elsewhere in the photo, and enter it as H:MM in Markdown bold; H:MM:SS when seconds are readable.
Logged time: **10:12**
